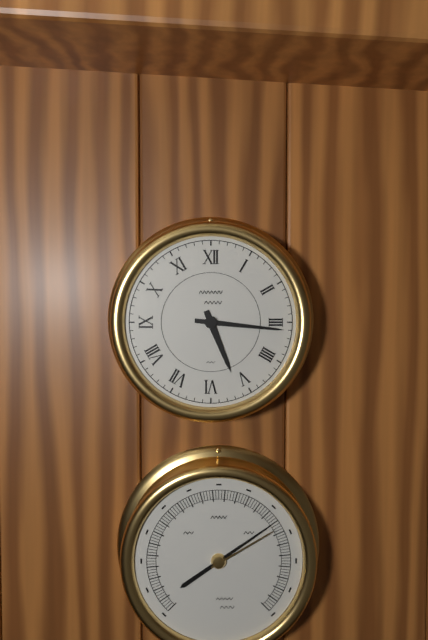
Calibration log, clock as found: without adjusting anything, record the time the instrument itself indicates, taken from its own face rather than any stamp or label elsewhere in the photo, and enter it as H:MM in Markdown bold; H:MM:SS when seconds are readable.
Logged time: **5:16**
